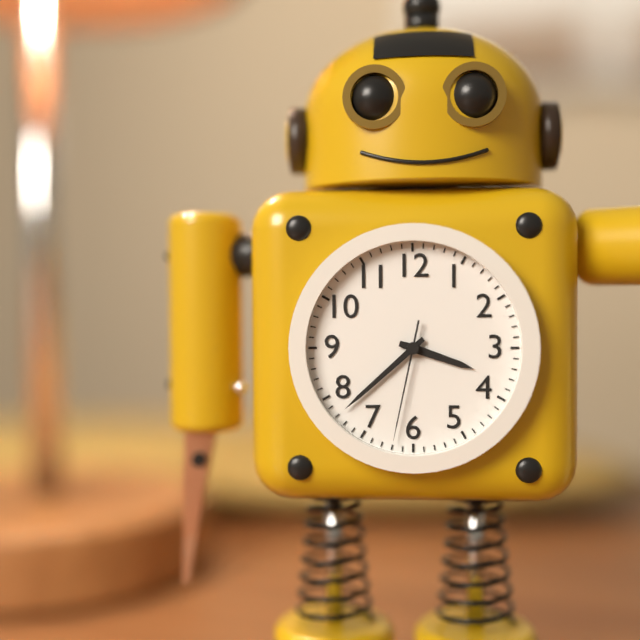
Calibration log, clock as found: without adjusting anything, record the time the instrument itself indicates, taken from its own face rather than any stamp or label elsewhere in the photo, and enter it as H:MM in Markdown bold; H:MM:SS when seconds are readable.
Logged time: **3:38:32**
